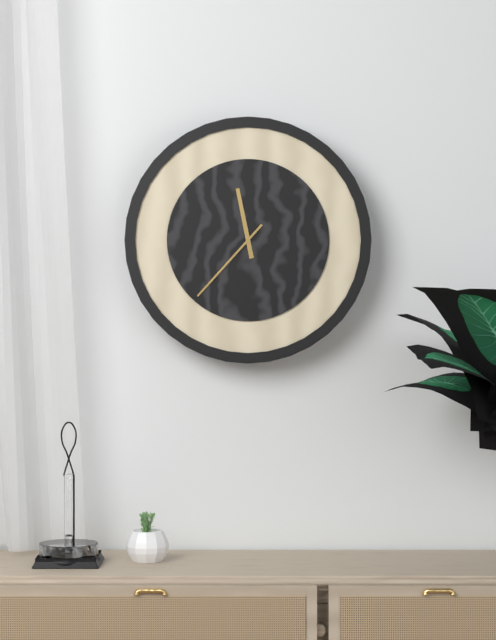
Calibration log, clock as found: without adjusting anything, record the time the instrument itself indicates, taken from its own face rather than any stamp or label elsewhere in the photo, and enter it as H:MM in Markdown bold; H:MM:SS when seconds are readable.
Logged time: **11:37**
